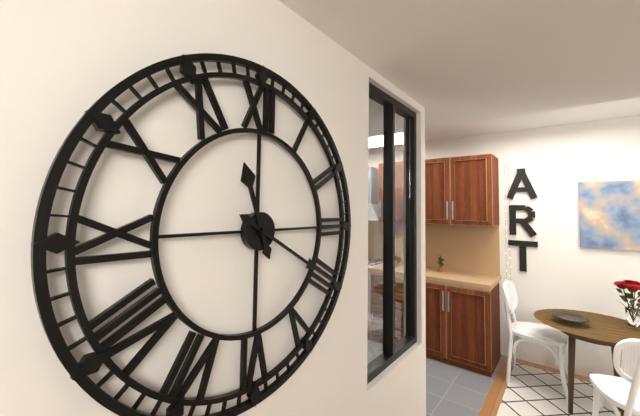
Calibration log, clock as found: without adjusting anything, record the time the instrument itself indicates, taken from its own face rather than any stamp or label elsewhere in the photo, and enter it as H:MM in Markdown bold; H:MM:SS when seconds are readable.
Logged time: **11:20**
